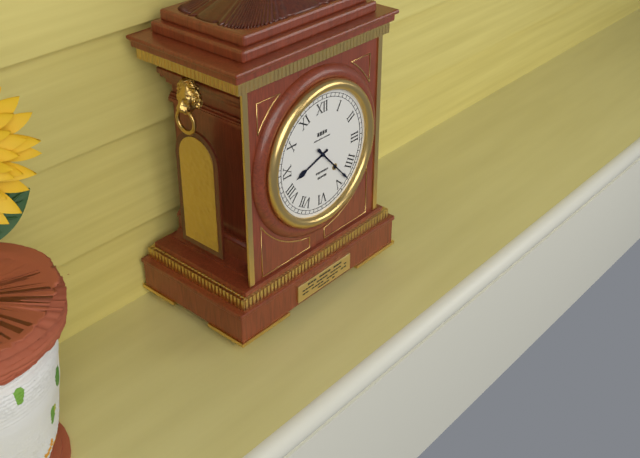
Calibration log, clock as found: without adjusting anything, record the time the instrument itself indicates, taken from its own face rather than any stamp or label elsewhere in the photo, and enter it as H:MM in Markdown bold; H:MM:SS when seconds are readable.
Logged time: **8:23**
